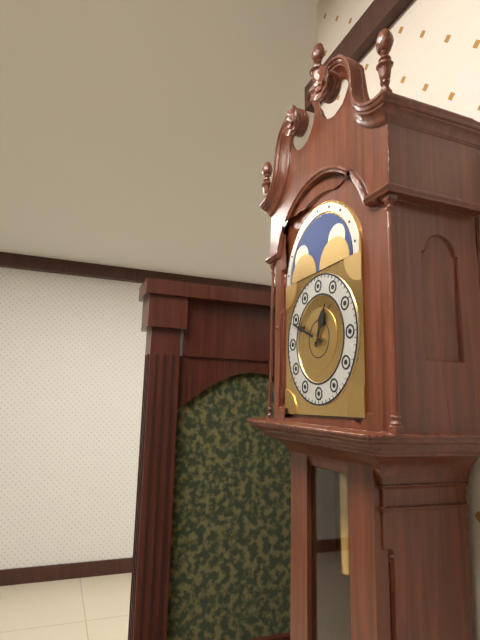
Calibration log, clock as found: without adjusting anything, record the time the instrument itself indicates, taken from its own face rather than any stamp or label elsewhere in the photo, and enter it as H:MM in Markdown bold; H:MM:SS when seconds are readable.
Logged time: **12:49**
